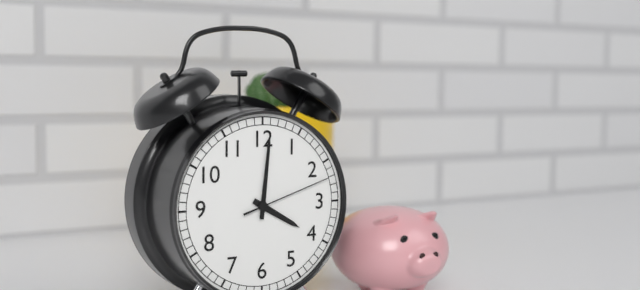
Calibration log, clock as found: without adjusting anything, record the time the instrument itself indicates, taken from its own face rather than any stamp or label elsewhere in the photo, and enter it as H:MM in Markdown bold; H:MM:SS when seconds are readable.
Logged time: **4:01:12**
